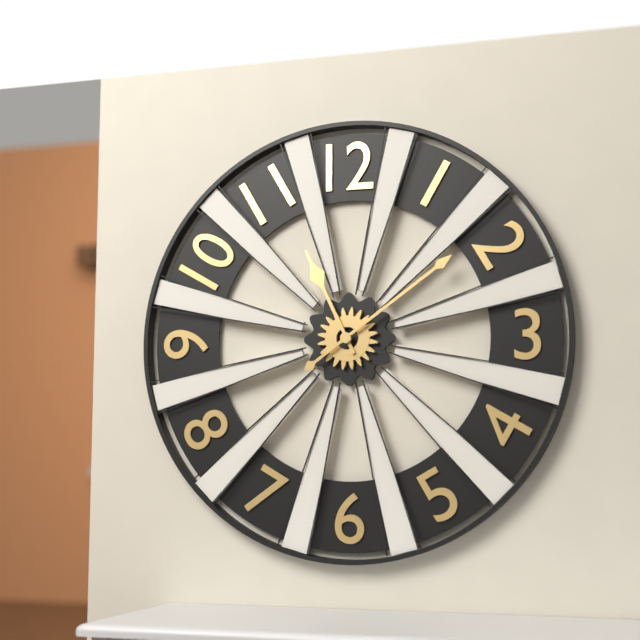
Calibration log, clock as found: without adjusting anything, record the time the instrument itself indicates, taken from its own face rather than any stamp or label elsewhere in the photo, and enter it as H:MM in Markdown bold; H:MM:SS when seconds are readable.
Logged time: **11:09**
